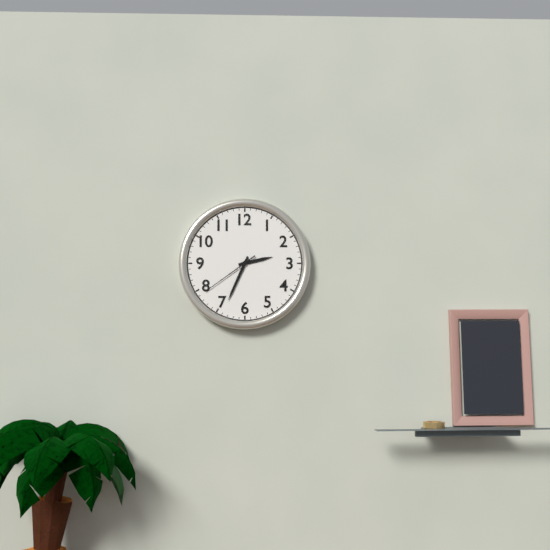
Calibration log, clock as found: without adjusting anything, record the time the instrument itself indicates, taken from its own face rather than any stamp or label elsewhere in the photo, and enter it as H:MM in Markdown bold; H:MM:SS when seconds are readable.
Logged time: **2:34:39**
